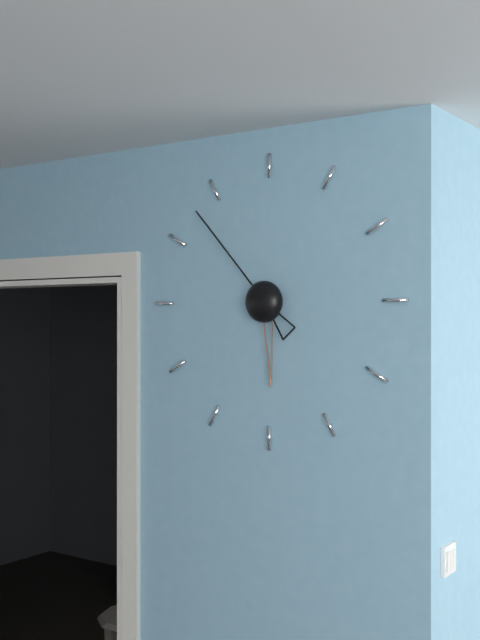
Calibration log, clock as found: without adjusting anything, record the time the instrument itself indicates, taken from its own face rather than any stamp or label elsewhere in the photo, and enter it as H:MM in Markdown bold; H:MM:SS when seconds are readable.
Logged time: **5:53**
